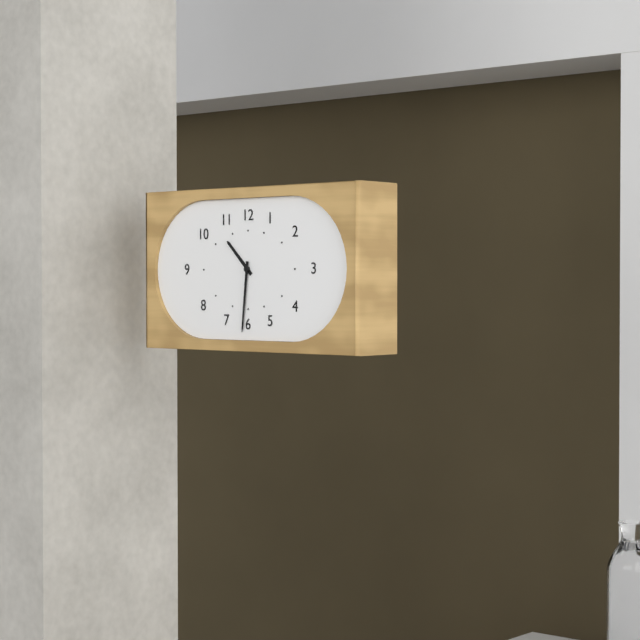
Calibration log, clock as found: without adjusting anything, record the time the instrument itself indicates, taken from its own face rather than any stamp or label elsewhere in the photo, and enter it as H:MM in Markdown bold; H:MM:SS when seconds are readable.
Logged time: **10:31**
